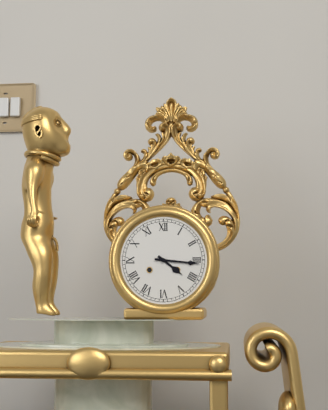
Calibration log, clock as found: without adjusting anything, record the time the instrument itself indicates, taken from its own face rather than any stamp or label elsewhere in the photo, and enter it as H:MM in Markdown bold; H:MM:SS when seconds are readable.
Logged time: **4:16**
